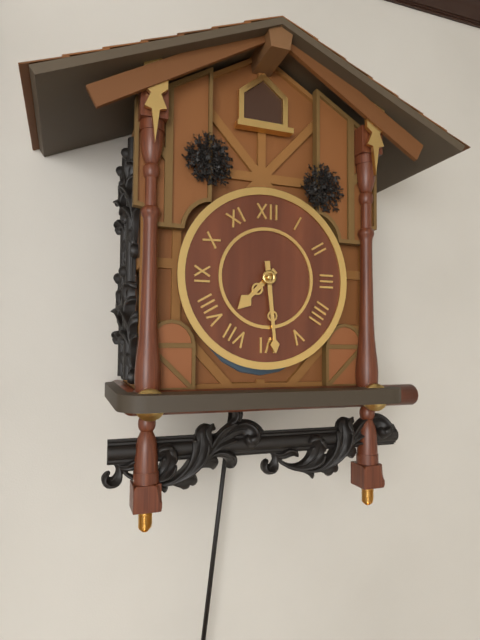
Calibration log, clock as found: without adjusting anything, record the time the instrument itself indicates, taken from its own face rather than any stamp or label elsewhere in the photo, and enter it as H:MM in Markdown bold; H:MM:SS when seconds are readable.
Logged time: **7:29**
